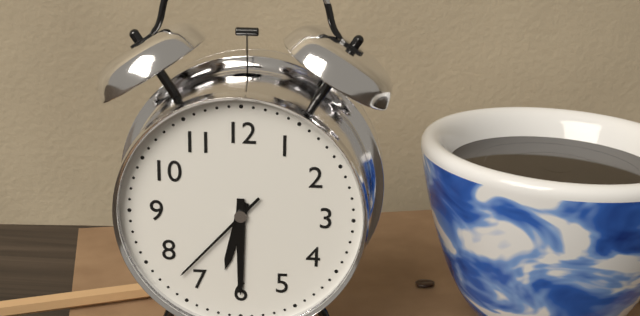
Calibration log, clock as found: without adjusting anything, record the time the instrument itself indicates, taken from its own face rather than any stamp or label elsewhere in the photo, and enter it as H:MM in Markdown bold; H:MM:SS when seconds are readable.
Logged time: **6:30:37**
